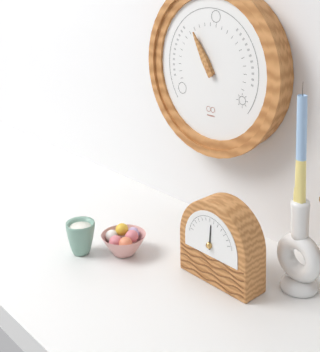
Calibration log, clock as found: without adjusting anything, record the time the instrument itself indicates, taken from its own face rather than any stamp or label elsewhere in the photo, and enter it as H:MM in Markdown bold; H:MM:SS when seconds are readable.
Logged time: **10:55**
